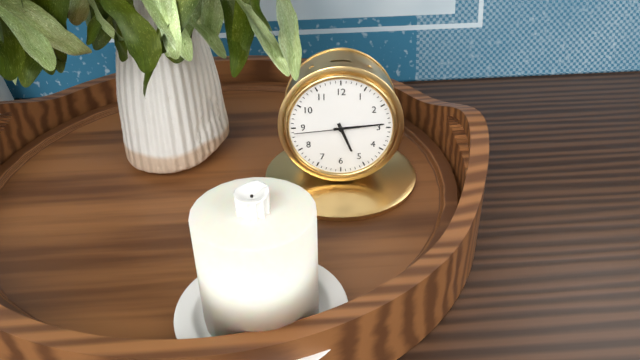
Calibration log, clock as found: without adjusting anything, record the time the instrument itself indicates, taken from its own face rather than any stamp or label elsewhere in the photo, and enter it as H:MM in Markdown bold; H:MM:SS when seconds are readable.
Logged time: **5:14:44**
